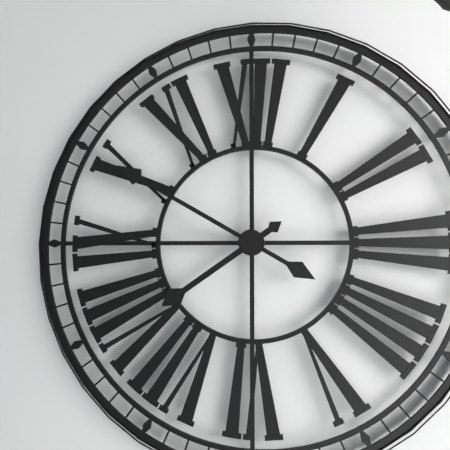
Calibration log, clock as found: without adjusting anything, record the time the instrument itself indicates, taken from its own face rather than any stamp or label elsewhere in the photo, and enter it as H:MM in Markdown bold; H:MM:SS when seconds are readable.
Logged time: **7:50**
